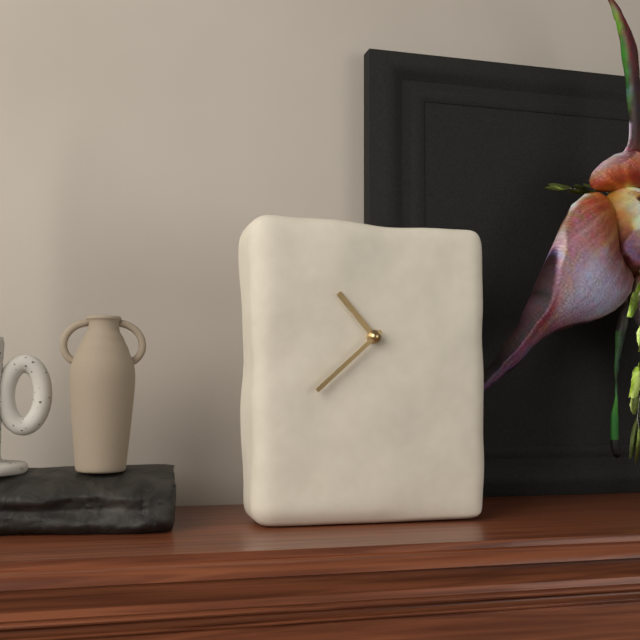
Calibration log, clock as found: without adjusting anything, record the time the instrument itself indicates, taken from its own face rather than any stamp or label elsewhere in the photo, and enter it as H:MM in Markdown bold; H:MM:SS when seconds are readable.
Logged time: **10:38**
